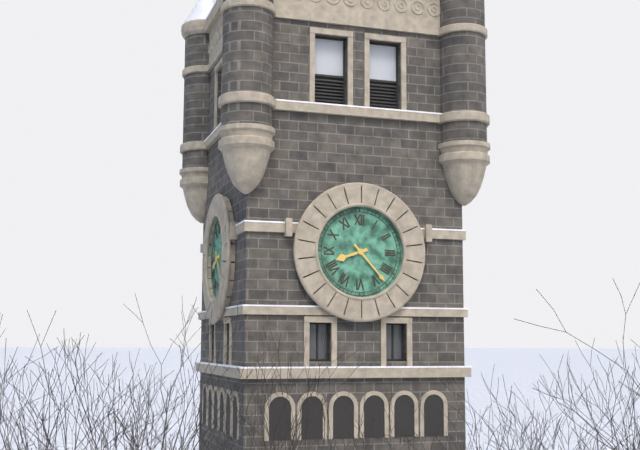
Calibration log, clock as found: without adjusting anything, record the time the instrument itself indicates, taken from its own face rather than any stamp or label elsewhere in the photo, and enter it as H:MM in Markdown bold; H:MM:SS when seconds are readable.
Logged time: **8:23**
